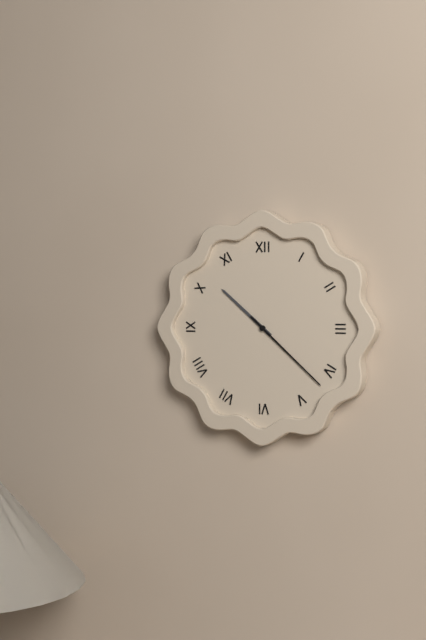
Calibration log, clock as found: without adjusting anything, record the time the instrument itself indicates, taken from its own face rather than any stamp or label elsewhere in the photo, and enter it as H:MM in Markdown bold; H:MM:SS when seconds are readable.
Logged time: **10:22**
